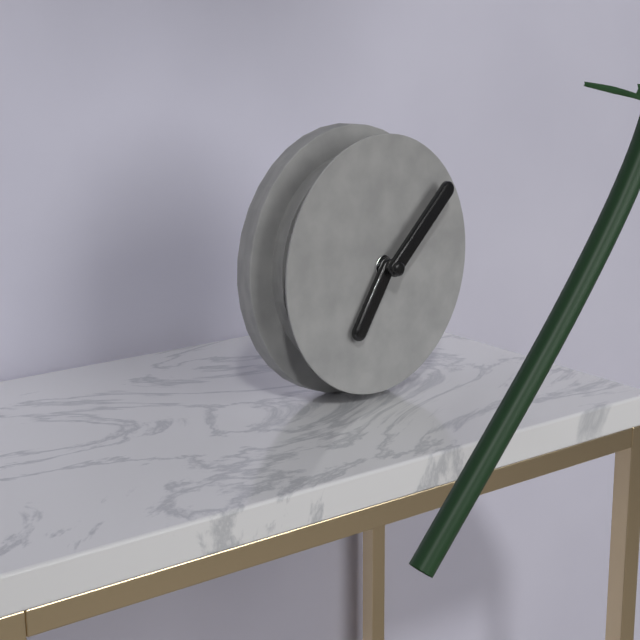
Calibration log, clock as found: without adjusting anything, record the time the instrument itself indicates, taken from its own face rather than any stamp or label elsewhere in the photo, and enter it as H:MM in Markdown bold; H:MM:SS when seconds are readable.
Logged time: **7:08**
